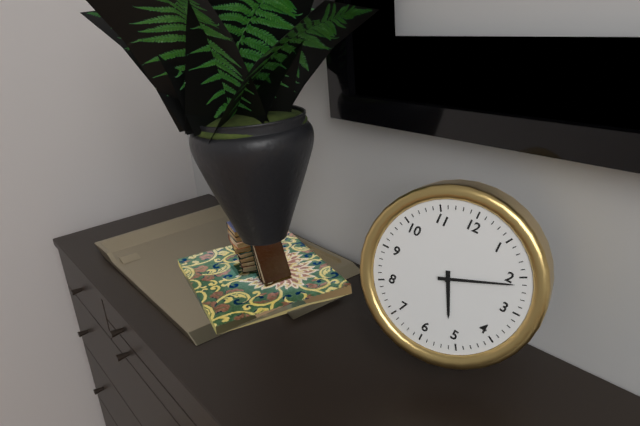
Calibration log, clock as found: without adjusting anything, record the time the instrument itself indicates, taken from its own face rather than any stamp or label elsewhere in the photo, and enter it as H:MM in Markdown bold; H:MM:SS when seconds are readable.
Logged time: **5:11**
